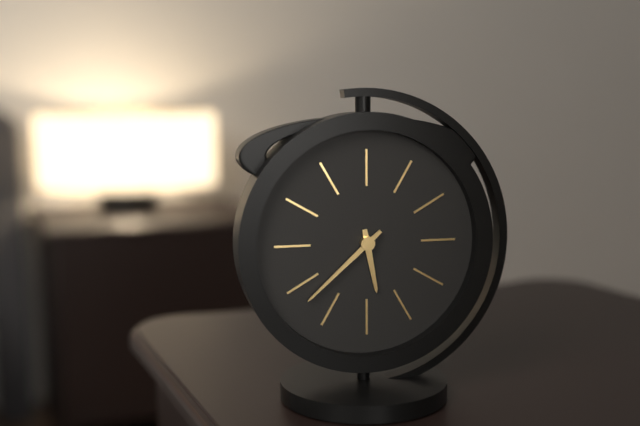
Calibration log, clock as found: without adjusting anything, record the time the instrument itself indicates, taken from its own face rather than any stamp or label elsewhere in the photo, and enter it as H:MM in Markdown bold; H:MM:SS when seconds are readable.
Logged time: **5:38**
